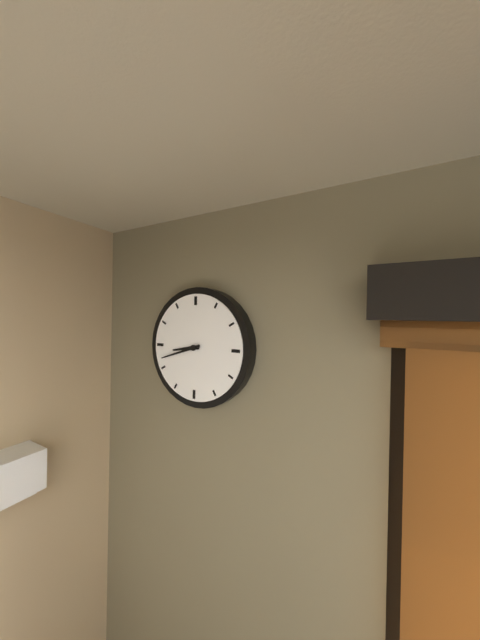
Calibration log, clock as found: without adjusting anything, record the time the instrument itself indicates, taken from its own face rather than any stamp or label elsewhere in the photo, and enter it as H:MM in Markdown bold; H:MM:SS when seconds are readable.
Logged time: **8:42**
